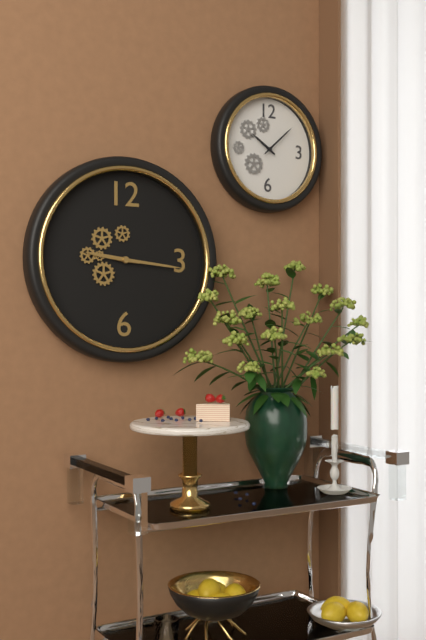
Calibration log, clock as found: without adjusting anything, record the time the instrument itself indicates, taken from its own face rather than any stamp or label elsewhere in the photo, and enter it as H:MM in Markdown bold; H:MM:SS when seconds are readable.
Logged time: **9:16**
